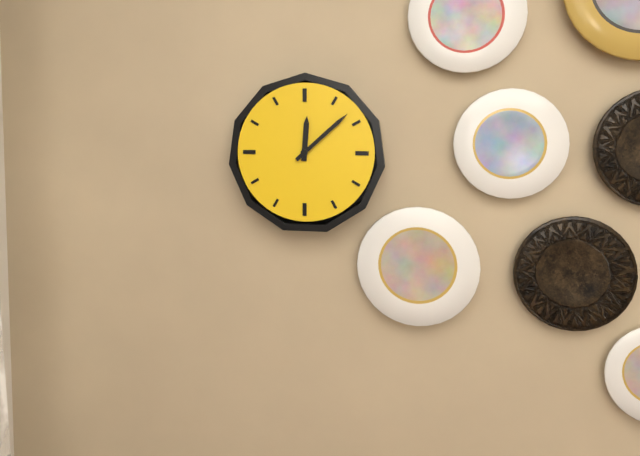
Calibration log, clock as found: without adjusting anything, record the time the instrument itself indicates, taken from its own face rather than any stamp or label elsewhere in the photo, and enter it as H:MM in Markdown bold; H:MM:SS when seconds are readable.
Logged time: **12:08**
